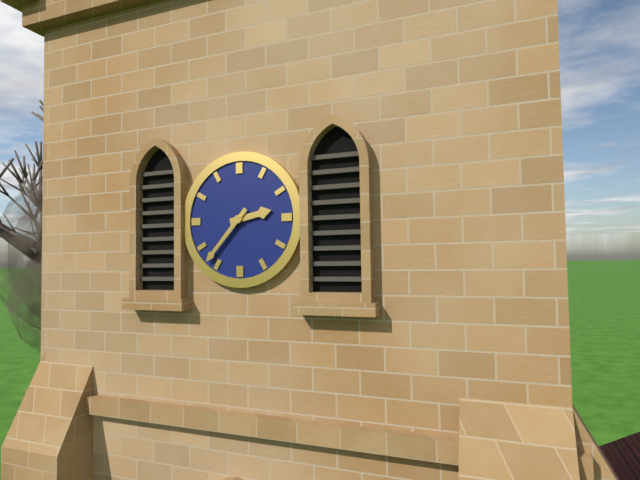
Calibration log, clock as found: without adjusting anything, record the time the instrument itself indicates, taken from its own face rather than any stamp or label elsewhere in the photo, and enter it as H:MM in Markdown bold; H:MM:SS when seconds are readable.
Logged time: **2:37**
